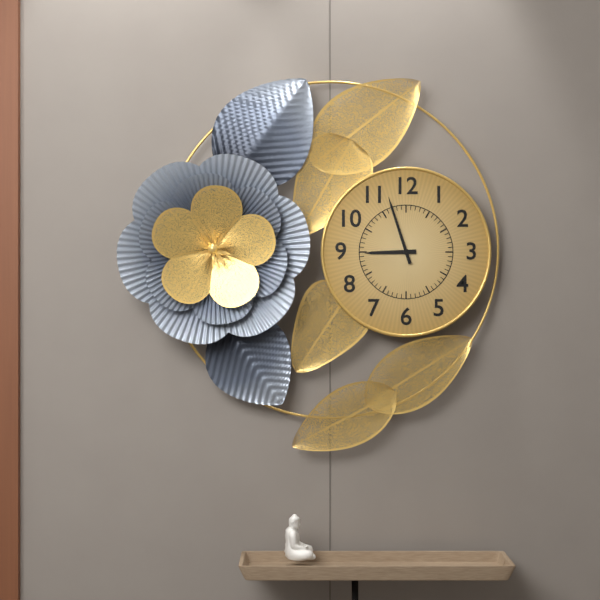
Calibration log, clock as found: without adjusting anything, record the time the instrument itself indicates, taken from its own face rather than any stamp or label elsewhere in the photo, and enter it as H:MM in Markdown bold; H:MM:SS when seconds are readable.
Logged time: **8:57**
